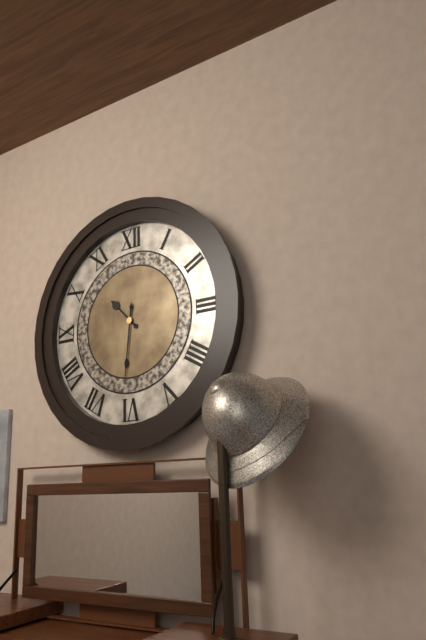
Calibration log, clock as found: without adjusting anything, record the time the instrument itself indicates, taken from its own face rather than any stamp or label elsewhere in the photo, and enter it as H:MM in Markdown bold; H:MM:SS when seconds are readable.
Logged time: **10:31**
